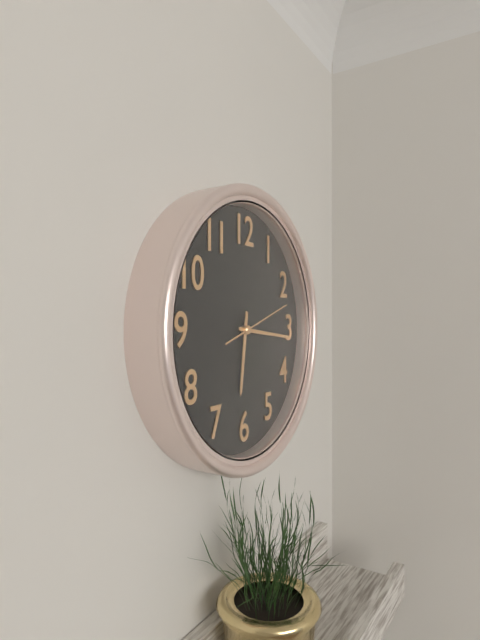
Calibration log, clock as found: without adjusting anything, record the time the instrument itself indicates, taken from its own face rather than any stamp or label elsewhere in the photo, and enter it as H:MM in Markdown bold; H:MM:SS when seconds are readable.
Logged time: **6:16:12**
